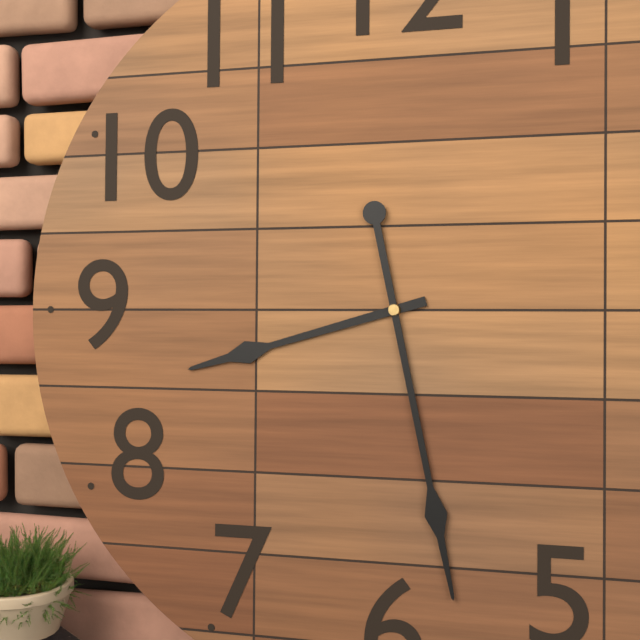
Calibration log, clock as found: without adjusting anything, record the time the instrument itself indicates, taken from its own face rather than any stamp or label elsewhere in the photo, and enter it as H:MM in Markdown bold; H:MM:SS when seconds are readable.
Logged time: **8:28**
